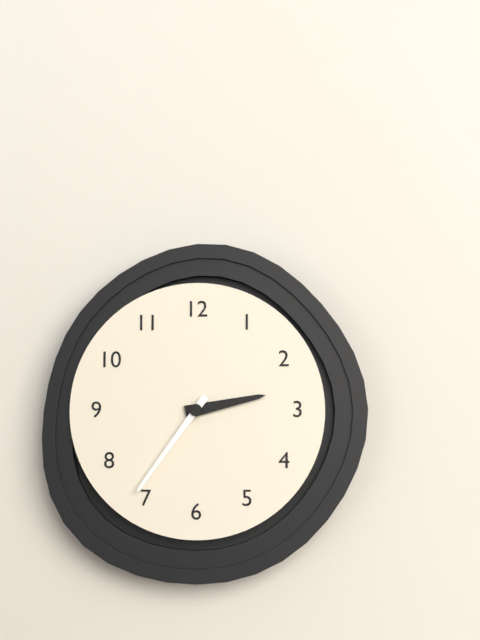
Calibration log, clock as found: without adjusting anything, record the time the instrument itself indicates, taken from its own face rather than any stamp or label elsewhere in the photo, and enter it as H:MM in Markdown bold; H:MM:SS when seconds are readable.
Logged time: **2:36**
